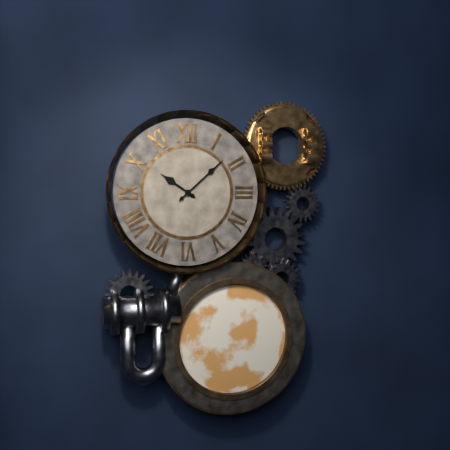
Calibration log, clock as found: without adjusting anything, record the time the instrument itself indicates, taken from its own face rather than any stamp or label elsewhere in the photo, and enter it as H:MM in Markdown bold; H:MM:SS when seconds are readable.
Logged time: **10:08**
